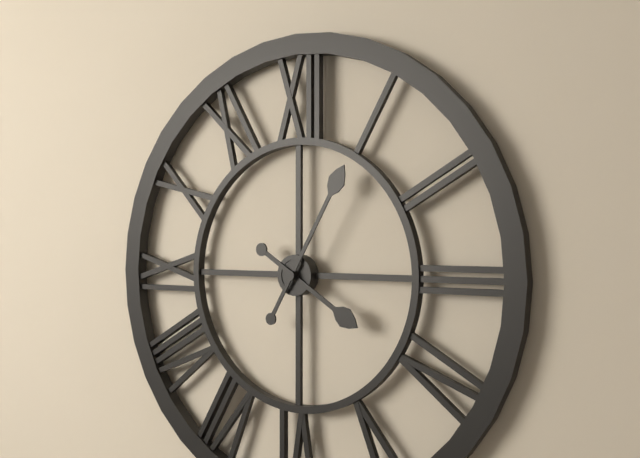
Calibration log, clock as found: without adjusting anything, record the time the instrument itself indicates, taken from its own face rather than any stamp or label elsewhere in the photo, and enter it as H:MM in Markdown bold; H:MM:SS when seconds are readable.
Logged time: **4:05**
